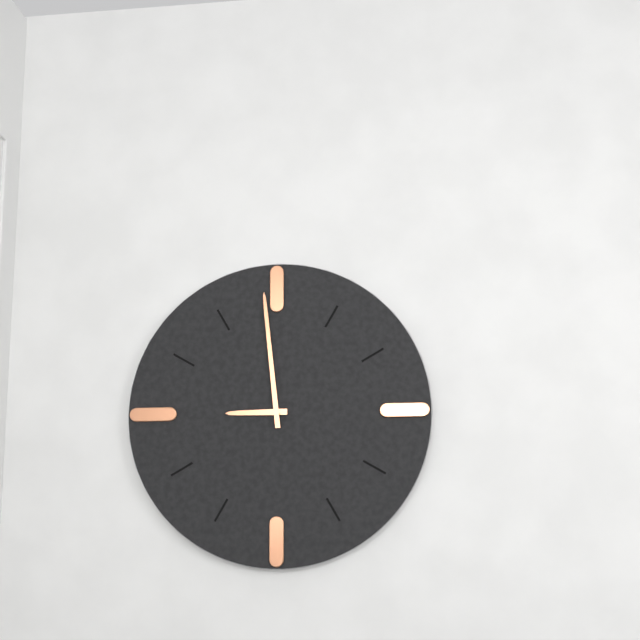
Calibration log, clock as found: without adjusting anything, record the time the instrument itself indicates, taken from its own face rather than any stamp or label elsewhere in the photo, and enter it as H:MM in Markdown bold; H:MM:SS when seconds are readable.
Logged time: **8:59**
